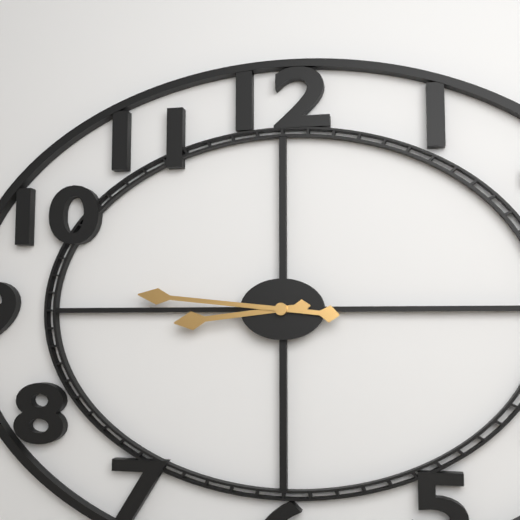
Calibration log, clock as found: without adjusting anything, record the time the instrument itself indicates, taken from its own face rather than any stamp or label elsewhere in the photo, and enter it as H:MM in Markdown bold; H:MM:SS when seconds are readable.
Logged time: **8:46**
